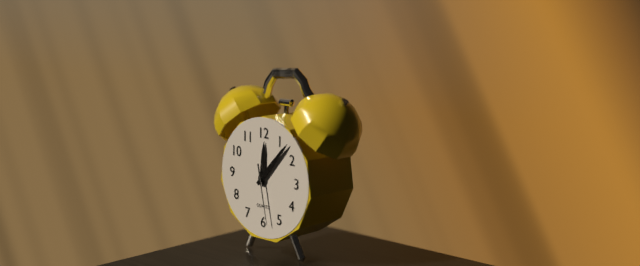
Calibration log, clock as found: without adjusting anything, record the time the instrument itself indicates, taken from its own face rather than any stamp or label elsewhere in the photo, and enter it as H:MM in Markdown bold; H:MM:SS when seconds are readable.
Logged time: **12:07:28**
